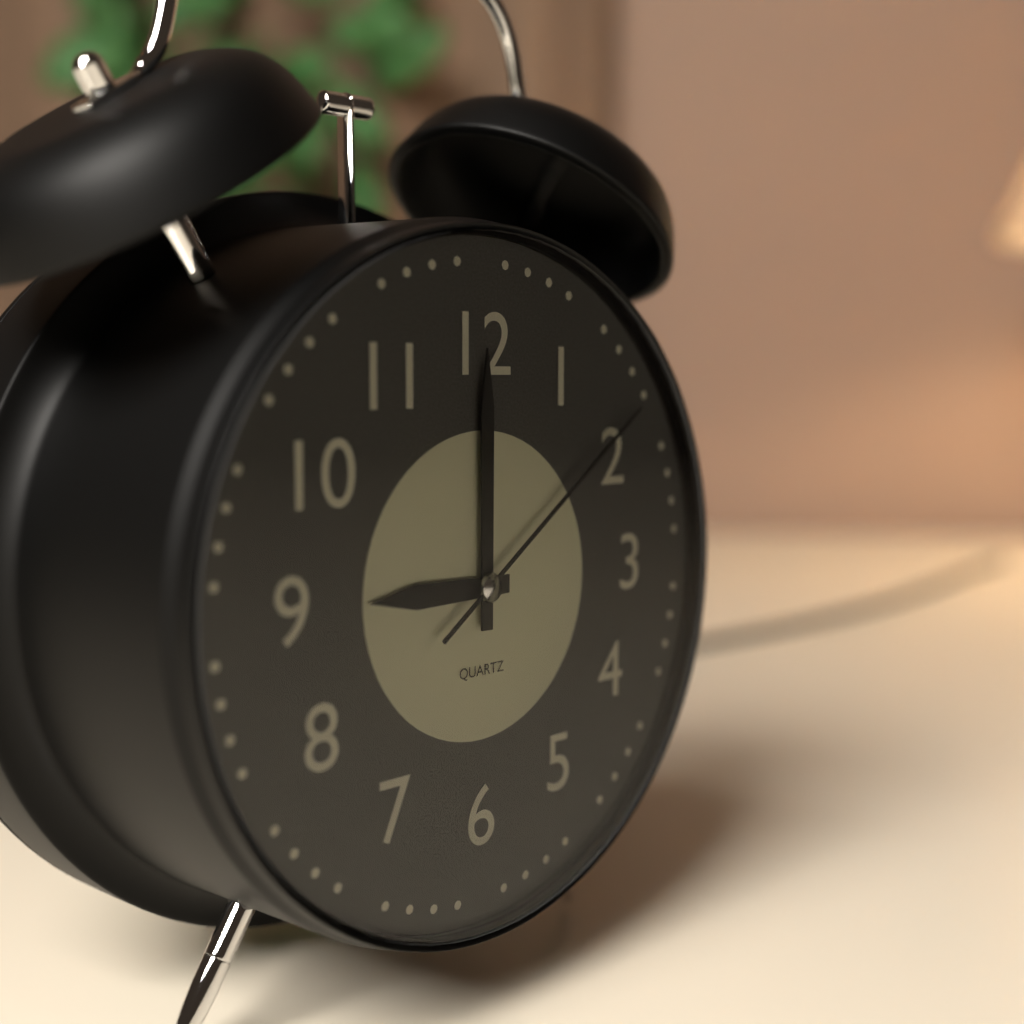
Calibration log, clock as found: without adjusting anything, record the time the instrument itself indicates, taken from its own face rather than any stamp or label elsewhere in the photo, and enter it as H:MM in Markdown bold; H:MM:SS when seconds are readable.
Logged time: **9:00:09**
